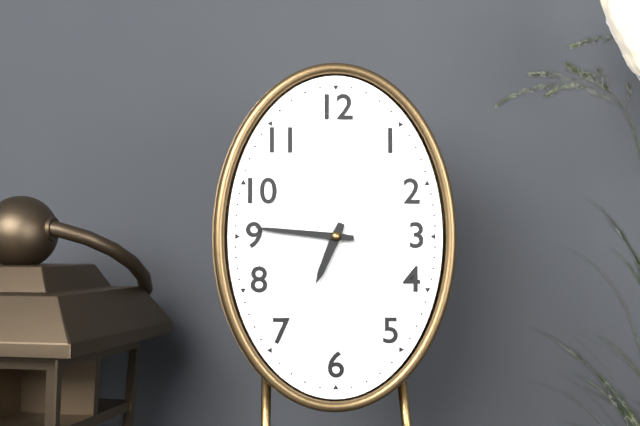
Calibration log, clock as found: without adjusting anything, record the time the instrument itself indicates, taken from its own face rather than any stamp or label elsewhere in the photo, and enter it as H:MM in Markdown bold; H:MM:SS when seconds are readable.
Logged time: **6:46**
